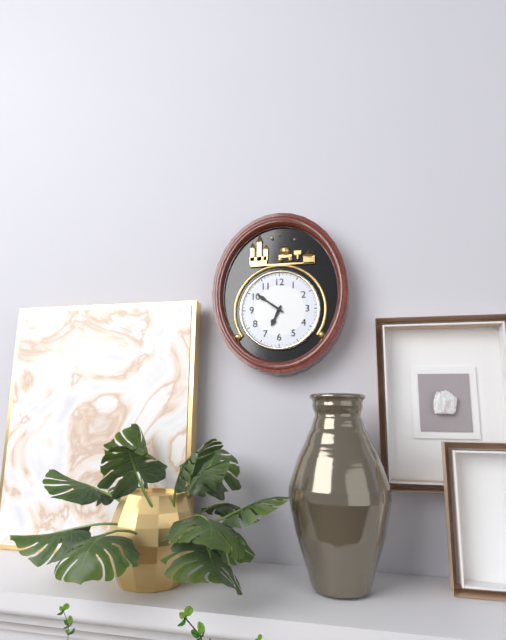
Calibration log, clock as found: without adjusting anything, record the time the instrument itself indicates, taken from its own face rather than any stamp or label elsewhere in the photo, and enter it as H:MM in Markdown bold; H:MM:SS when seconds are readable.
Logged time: **6:51**
